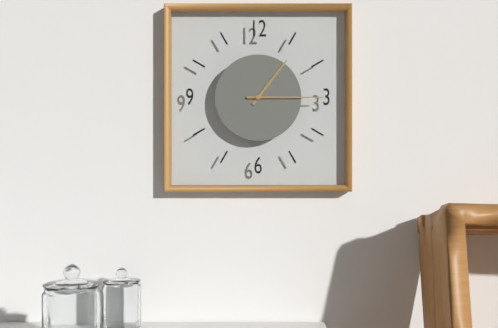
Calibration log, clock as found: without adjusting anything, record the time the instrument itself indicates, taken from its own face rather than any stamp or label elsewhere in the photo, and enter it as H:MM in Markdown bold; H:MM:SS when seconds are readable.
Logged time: **1:15**
